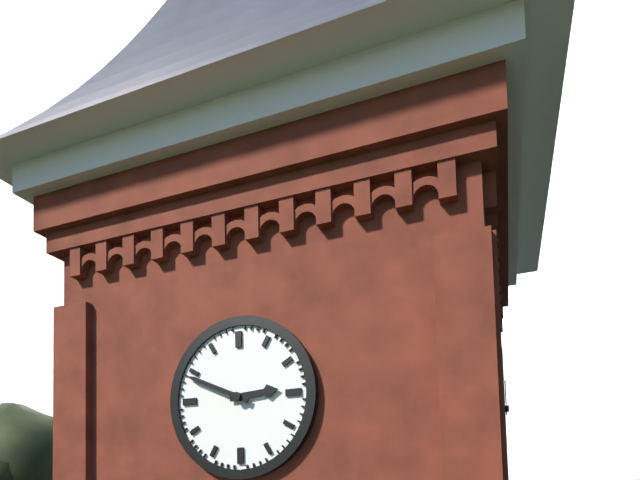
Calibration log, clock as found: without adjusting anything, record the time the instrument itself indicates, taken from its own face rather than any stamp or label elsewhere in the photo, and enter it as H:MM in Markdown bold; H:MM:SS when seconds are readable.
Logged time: **2:49**
